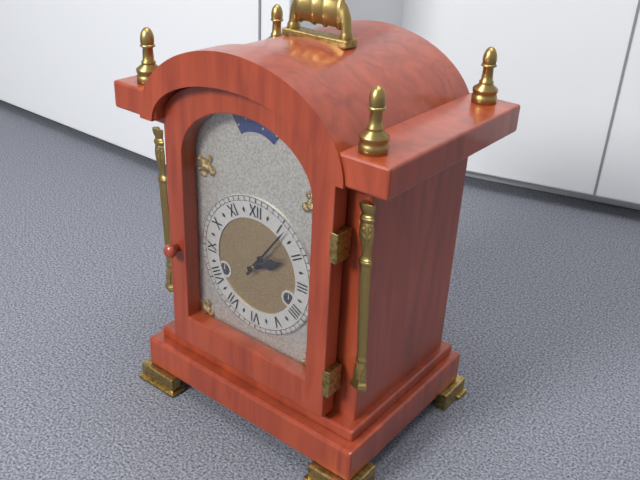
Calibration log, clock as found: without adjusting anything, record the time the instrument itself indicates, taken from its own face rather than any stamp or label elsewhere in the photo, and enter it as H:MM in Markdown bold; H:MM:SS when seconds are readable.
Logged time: **2:06**
